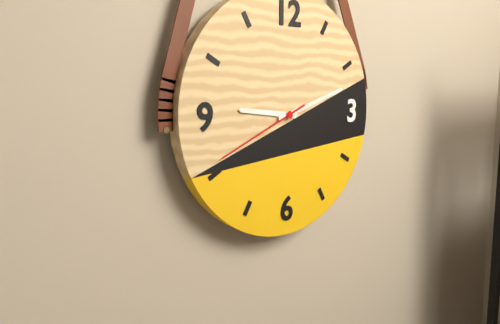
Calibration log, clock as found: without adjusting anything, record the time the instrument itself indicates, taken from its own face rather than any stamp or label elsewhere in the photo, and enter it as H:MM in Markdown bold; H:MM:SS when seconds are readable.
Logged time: **9:12:41**
